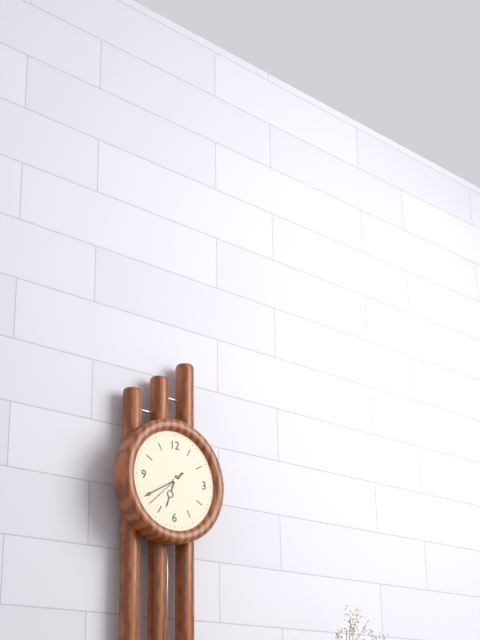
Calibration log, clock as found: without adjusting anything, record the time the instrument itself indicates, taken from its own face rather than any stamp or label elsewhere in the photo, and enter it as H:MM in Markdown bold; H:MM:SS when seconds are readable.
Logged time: **6:40**
